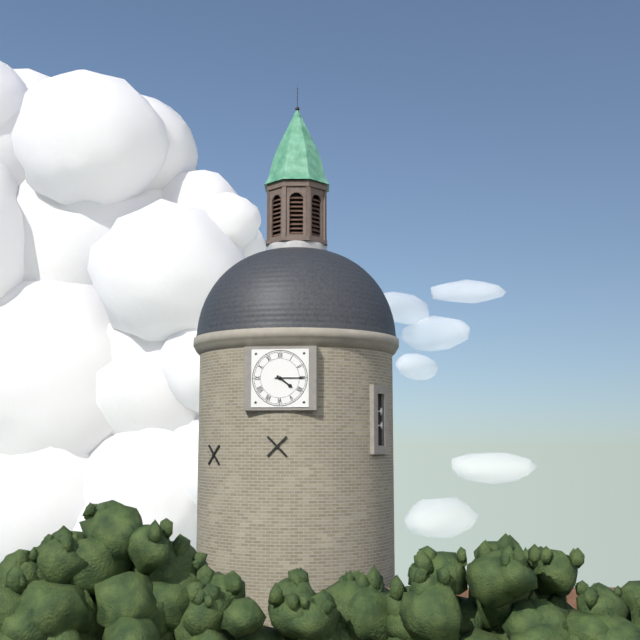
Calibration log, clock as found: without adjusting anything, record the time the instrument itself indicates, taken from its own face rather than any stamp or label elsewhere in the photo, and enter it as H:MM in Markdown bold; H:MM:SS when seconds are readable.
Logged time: **4:15**
